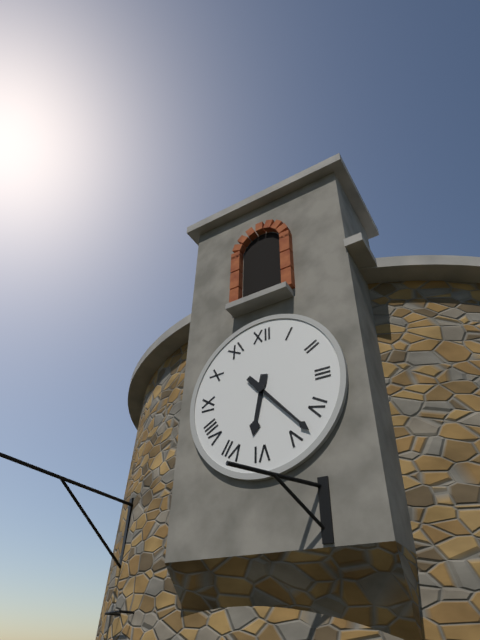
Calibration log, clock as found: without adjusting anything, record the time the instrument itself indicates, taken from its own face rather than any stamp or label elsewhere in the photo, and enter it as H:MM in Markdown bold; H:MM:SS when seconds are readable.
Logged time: **6:23**
